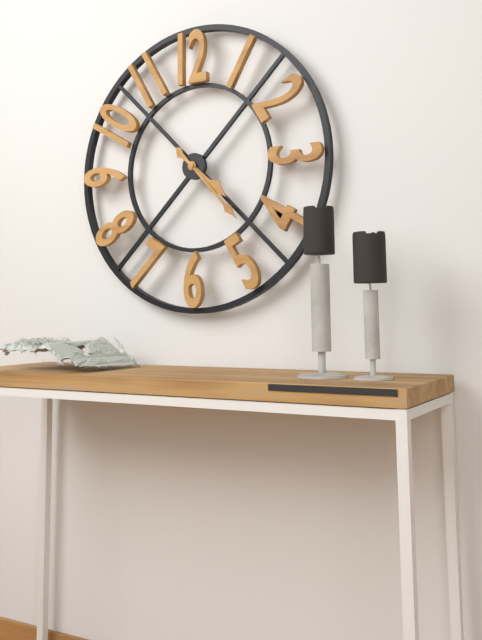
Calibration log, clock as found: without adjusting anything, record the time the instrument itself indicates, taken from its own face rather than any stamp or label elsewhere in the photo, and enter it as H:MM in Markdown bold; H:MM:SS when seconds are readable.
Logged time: **4:23**
